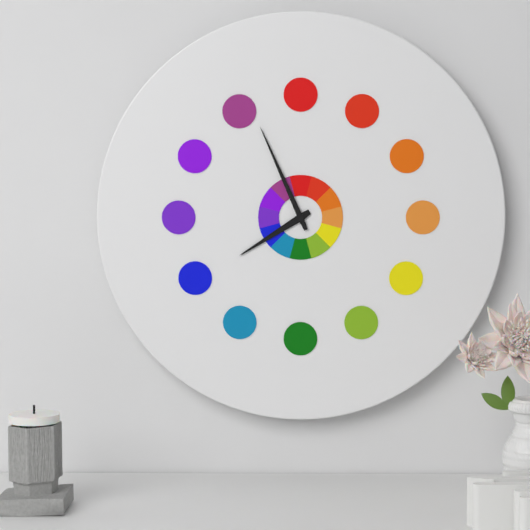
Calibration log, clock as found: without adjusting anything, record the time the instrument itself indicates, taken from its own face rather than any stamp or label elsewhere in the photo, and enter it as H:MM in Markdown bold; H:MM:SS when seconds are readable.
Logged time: **7:56**
